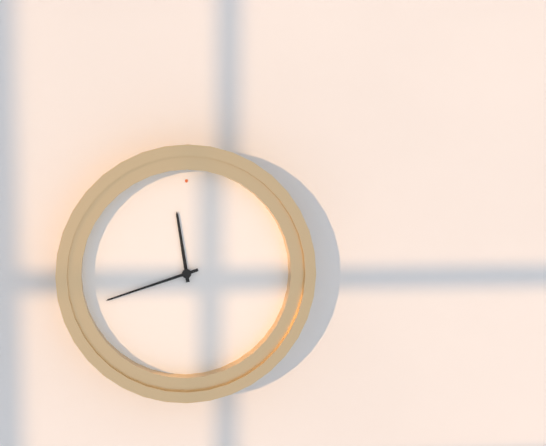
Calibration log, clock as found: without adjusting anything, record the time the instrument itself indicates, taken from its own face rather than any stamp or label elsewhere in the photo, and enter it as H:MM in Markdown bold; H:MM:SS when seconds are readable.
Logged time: **11:42**
